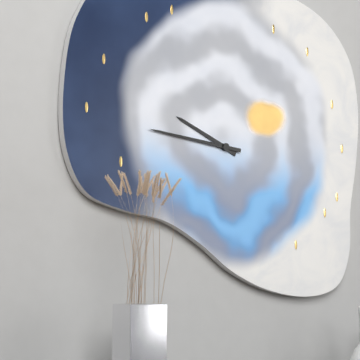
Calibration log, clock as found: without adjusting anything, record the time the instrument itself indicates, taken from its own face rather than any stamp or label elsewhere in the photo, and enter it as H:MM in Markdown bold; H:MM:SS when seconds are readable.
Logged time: **9:46**
